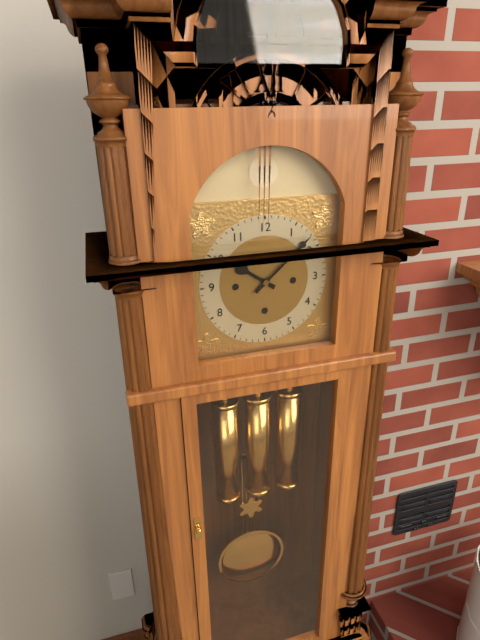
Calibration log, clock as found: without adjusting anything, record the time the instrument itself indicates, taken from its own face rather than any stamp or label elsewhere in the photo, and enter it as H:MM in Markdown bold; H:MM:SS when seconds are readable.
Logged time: **10:08**
